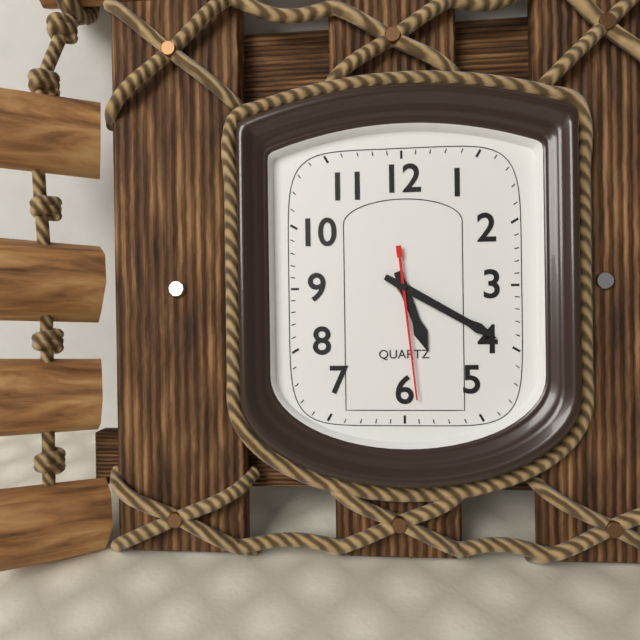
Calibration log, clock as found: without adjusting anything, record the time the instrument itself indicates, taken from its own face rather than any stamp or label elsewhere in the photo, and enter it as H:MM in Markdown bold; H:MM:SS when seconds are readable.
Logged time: **5:20:29**
